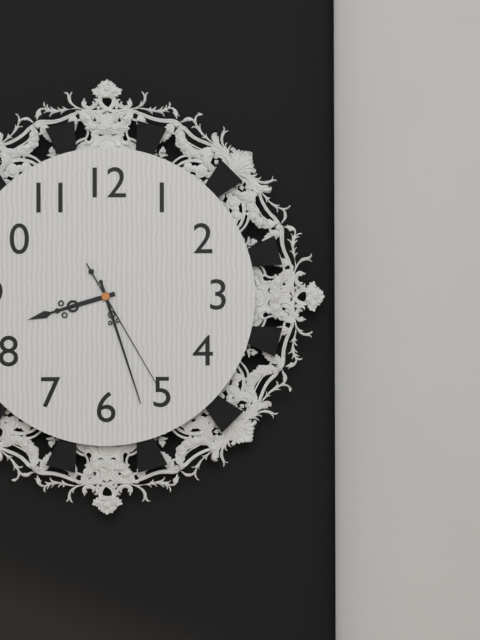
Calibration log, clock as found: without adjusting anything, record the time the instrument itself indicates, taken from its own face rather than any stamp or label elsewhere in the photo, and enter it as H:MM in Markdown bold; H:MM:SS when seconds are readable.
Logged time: **8:27:25**
